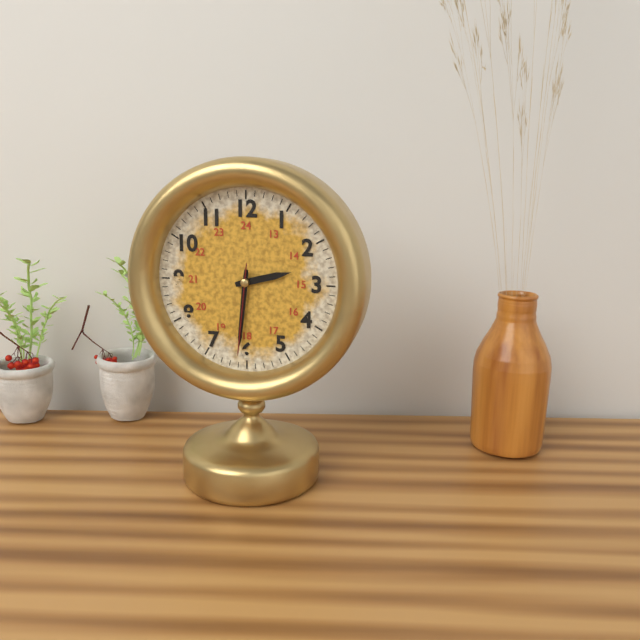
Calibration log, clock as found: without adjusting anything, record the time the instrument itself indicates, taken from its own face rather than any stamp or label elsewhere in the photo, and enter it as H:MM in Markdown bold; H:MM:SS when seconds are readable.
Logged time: **2:31:31**
